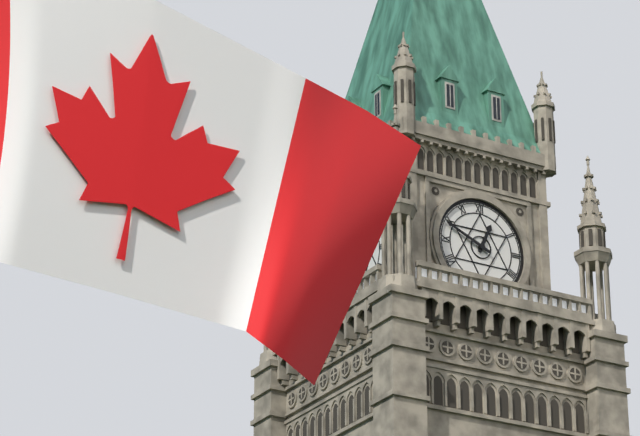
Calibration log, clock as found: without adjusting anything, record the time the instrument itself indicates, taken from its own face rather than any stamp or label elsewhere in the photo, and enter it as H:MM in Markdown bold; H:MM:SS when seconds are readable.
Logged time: **12:49**
